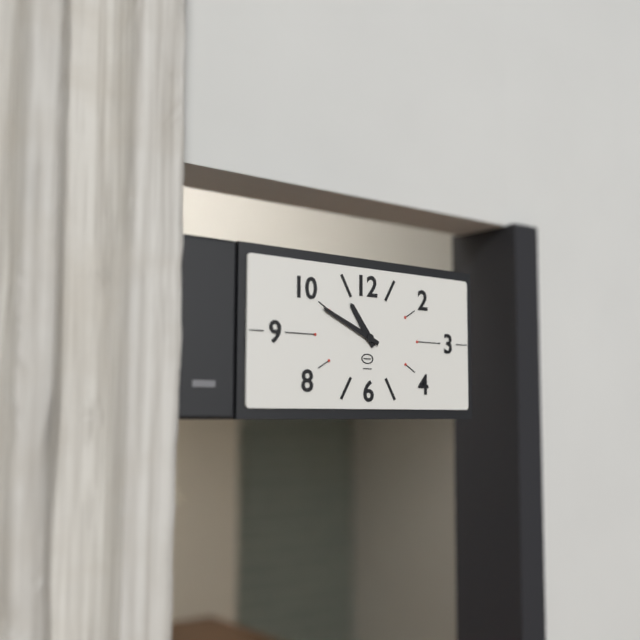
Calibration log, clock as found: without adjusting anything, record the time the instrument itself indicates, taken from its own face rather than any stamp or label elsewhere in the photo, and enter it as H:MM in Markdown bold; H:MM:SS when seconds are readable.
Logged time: **10:49**
